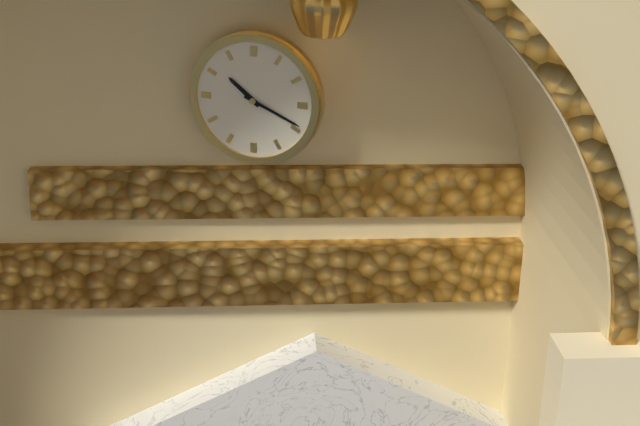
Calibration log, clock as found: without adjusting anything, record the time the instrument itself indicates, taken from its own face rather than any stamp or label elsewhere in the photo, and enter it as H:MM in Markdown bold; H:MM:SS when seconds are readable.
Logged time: **10:19**
